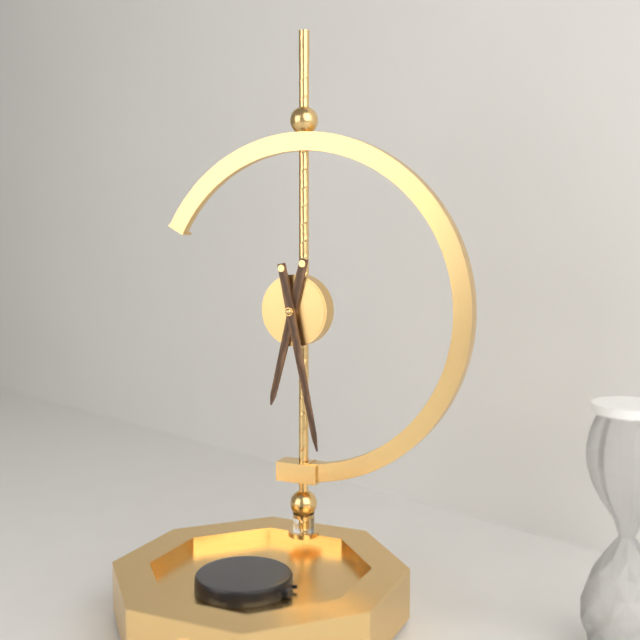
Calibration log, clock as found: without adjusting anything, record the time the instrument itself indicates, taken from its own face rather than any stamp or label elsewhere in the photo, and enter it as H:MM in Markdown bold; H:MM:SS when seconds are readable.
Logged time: **6:28**
